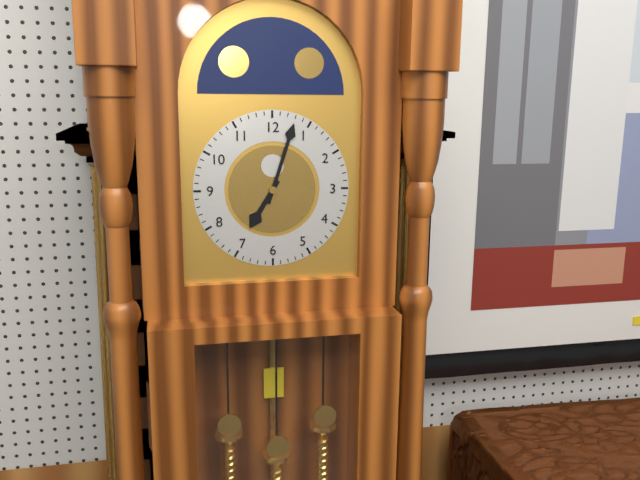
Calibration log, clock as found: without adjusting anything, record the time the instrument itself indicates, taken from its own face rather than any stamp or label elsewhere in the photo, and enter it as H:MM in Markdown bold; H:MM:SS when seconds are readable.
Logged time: **7:03**
